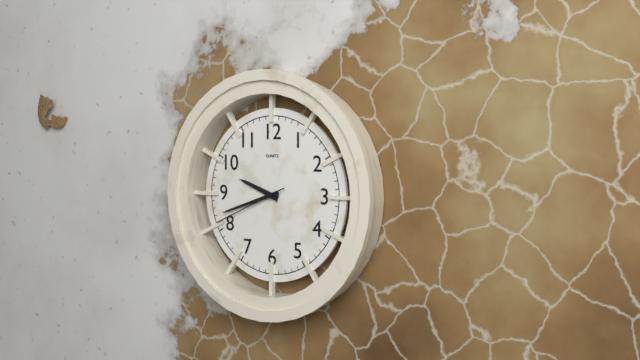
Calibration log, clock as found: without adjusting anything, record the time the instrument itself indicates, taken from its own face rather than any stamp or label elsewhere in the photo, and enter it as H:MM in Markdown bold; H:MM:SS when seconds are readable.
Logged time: **9:42:41**
